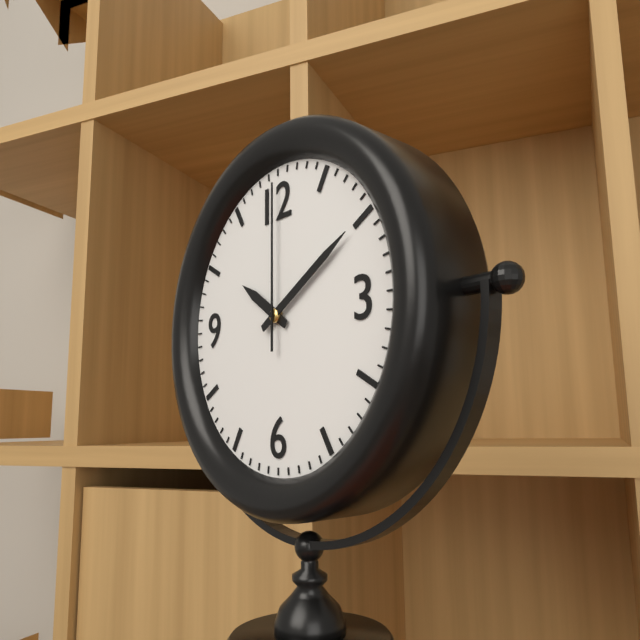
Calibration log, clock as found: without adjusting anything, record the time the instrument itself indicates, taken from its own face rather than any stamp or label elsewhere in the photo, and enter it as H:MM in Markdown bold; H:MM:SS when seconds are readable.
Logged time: **10:10:00**
